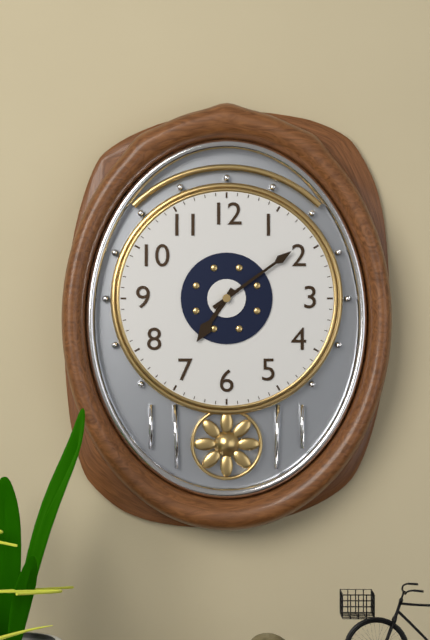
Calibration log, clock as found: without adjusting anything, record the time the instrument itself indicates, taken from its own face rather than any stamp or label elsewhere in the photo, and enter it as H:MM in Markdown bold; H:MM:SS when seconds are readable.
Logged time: **7:09**
